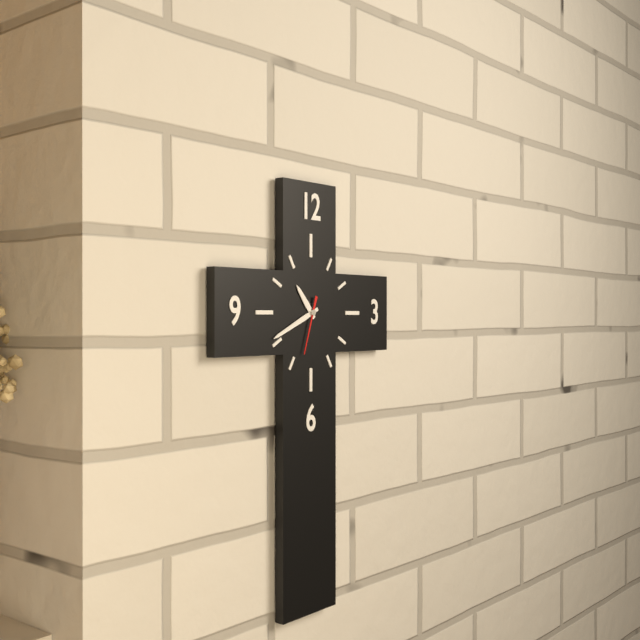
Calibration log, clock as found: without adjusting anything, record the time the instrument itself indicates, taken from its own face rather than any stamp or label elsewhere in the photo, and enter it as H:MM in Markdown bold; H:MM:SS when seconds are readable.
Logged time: **10:41:33**
